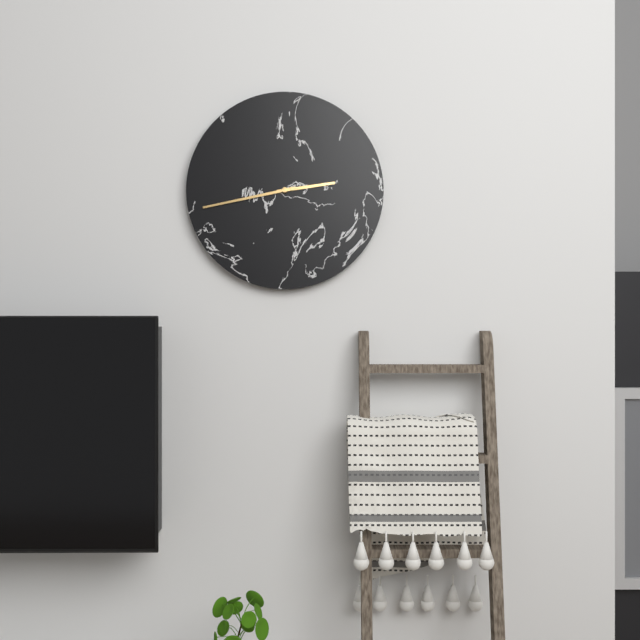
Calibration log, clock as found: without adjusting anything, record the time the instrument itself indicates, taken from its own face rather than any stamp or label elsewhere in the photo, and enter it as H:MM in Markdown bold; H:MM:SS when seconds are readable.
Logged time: **2:43**
